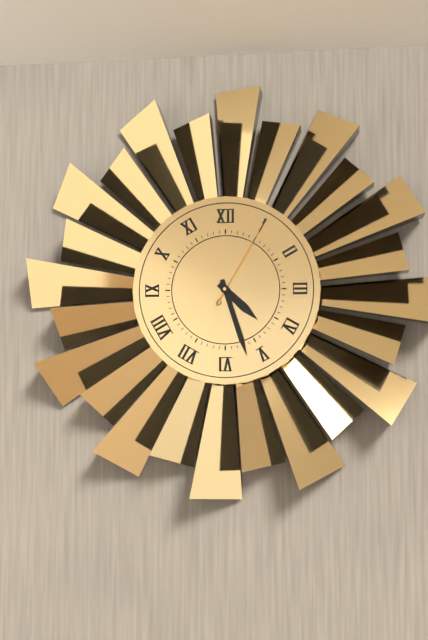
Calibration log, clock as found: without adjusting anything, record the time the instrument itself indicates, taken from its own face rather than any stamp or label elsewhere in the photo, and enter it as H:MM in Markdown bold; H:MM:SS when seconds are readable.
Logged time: **4:27:05**
